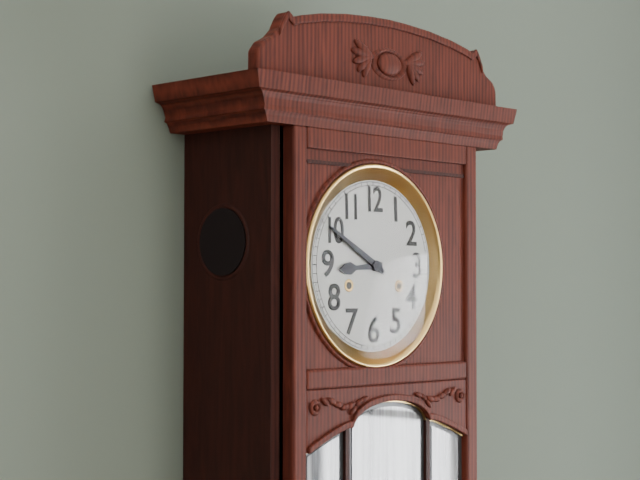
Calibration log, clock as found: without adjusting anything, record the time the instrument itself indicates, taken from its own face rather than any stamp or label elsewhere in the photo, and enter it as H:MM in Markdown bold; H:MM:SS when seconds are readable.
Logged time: **8:50**
